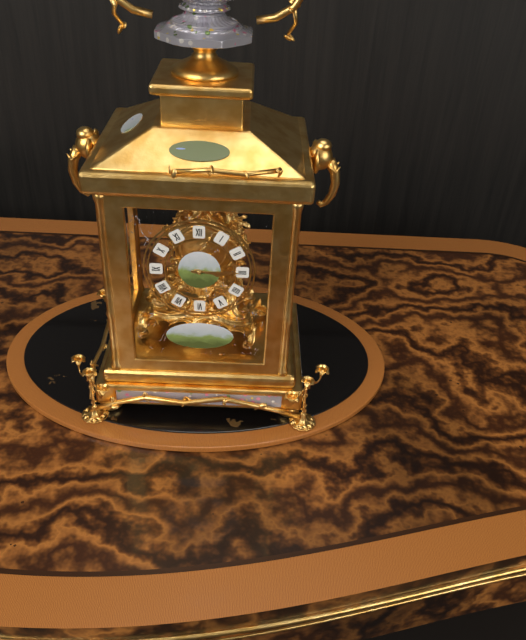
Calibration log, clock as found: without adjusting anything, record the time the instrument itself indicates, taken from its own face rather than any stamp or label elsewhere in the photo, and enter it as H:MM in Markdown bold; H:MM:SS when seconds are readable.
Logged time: **3:15**
